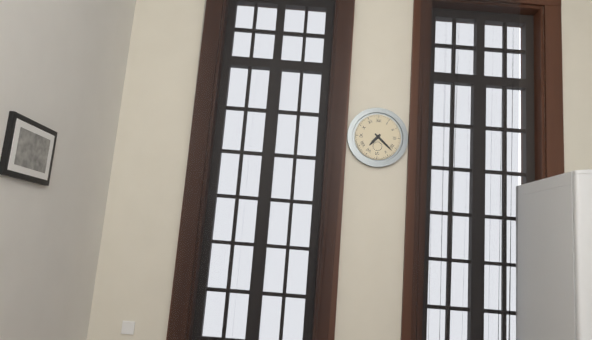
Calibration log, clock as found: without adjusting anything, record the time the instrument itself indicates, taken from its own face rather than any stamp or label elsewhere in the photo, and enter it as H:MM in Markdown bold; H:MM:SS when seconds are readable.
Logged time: **7:22**
